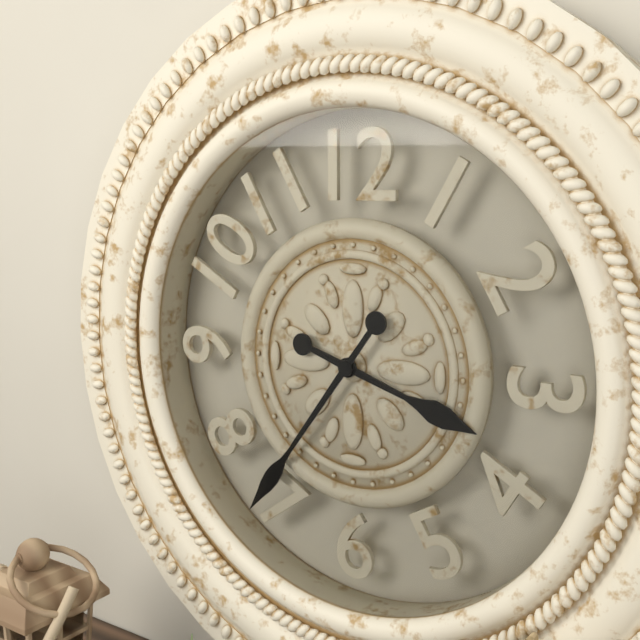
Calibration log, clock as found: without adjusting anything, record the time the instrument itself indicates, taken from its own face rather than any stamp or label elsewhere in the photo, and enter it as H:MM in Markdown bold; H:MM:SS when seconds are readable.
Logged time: **3:36**
